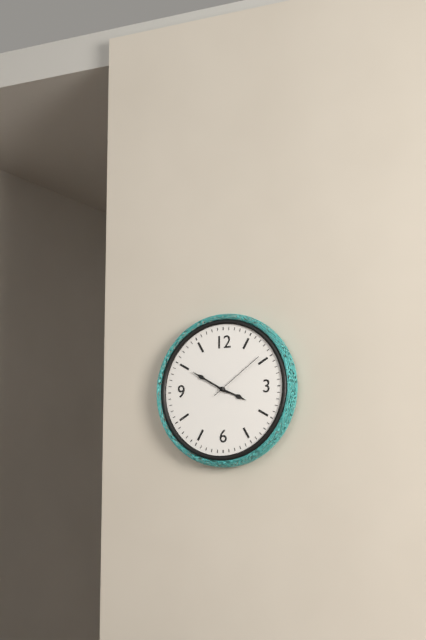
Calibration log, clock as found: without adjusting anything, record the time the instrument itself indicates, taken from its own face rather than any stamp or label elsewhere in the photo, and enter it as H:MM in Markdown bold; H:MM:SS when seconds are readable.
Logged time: **3:50:09**
